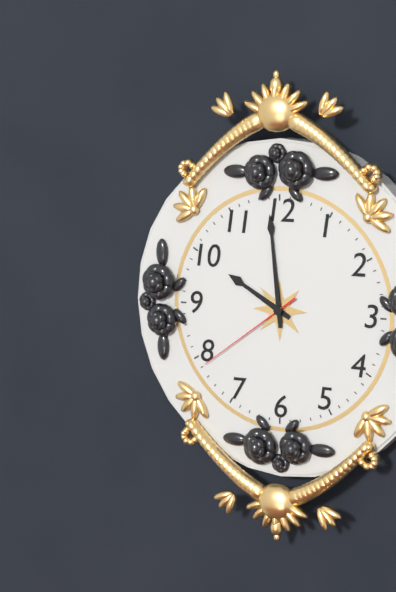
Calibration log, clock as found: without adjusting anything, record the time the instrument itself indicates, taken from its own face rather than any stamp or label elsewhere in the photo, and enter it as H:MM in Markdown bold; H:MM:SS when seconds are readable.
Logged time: **9:59:39**
